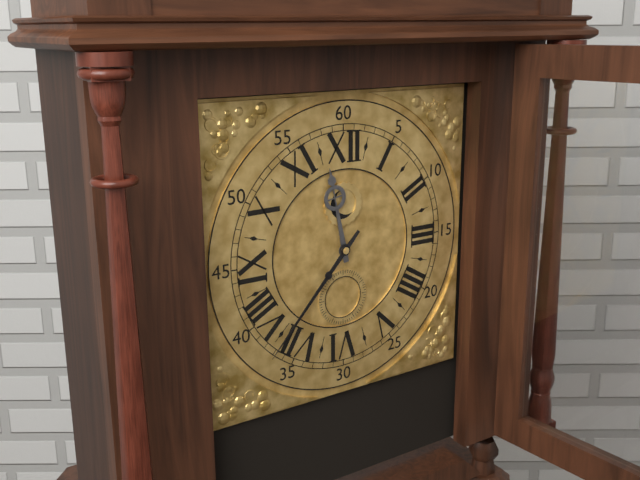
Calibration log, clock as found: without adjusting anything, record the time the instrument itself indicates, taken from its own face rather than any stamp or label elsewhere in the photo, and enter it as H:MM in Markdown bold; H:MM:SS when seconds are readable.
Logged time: **11:37**
